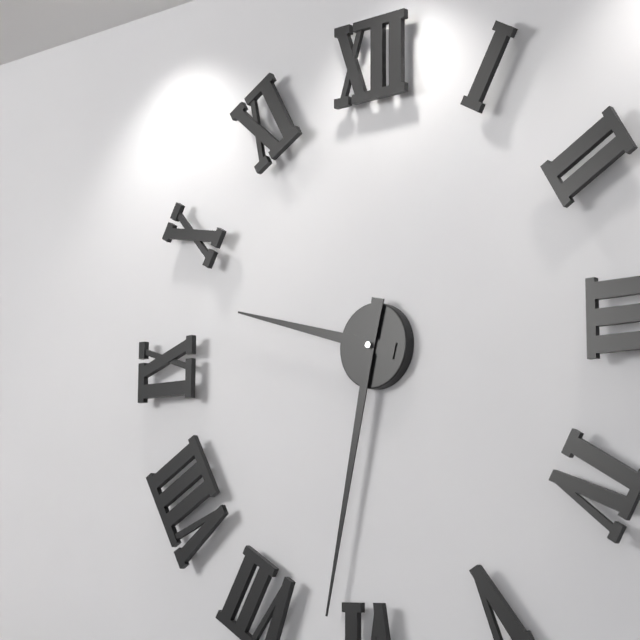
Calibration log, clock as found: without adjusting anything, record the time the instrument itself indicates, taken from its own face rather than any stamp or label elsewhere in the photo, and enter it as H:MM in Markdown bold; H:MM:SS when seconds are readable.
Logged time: **9:32**
